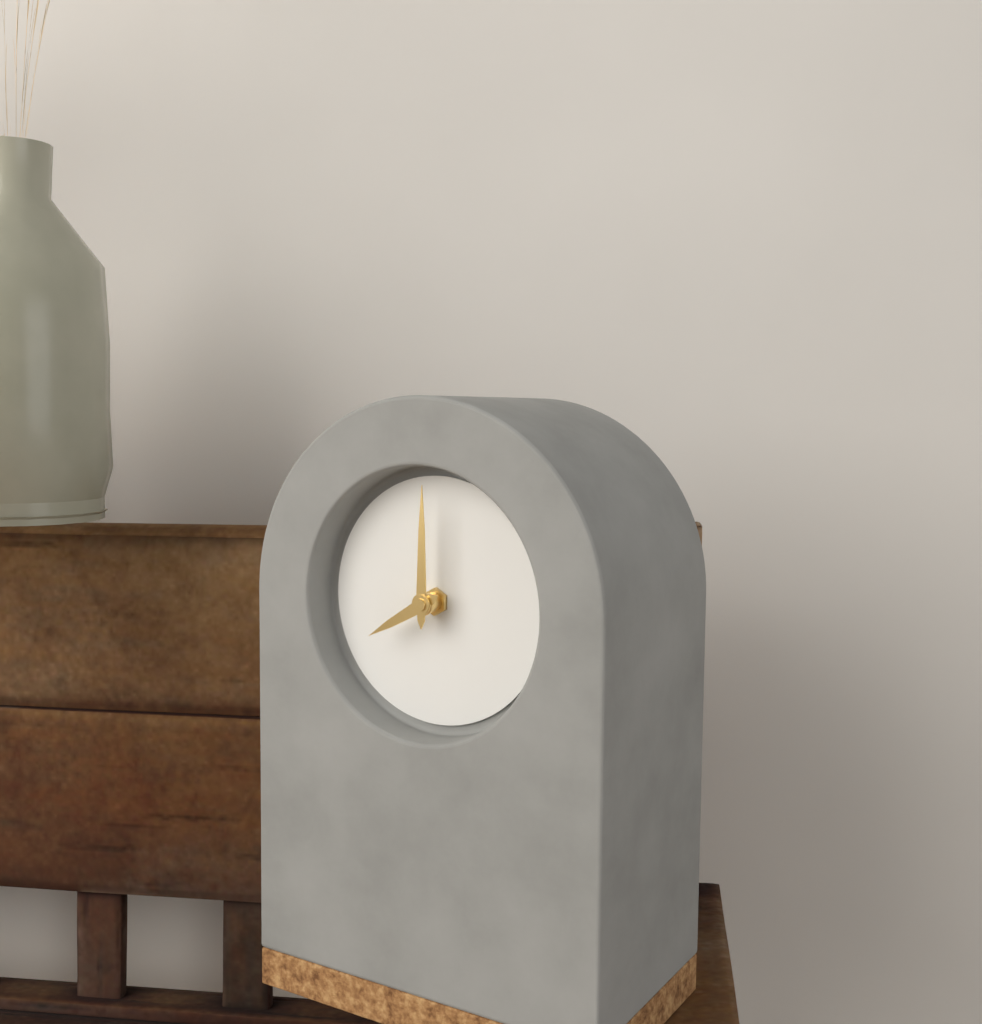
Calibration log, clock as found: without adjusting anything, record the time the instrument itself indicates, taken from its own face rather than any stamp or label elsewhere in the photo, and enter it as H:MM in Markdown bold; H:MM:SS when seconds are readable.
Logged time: **8:00**
